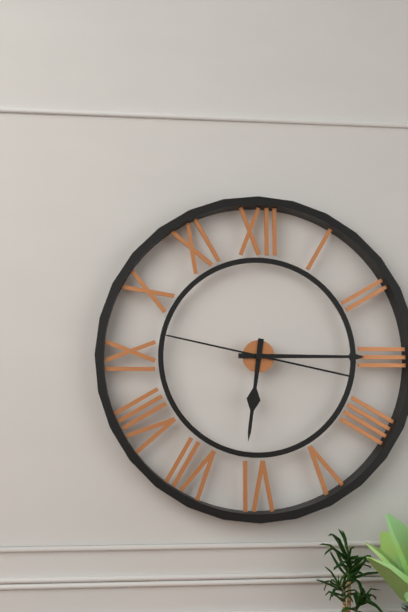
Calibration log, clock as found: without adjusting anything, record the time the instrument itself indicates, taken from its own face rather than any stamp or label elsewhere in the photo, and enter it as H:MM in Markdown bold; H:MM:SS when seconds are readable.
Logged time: **6:15:47**
